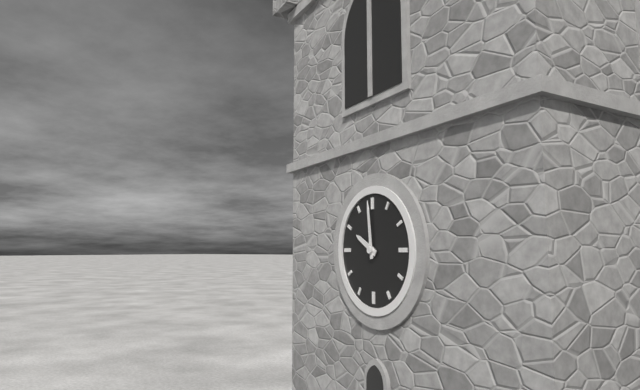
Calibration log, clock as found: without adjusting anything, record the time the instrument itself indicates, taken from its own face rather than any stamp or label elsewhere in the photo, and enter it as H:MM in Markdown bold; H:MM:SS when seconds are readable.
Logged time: **9:59**
